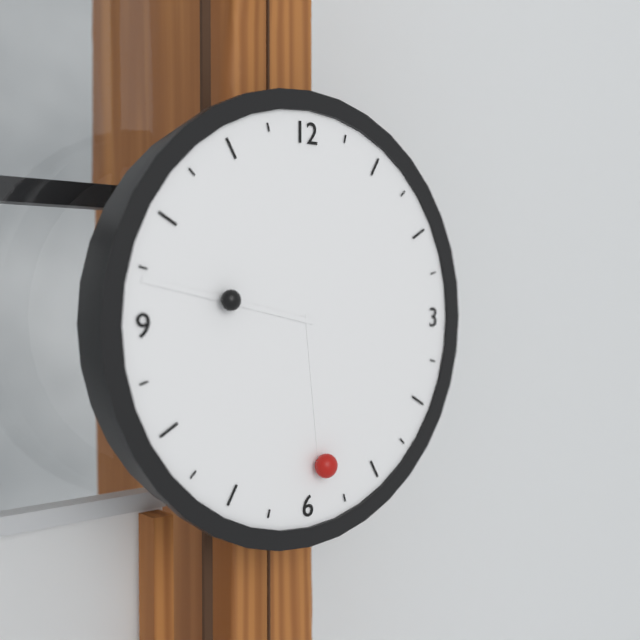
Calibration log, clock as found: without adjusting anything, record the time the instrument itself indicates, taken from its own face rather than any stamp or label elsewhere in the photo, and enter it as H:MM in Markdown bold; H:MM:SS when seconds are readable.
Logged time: **5:47**
